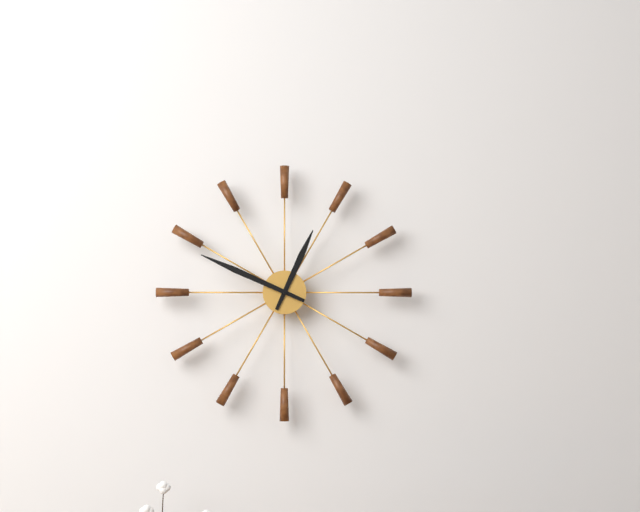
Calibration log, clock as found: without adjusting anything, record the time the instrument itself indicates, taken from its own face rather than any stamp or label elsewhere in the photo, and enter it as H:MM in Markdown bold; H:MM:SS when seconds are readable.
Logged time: **12:49**
